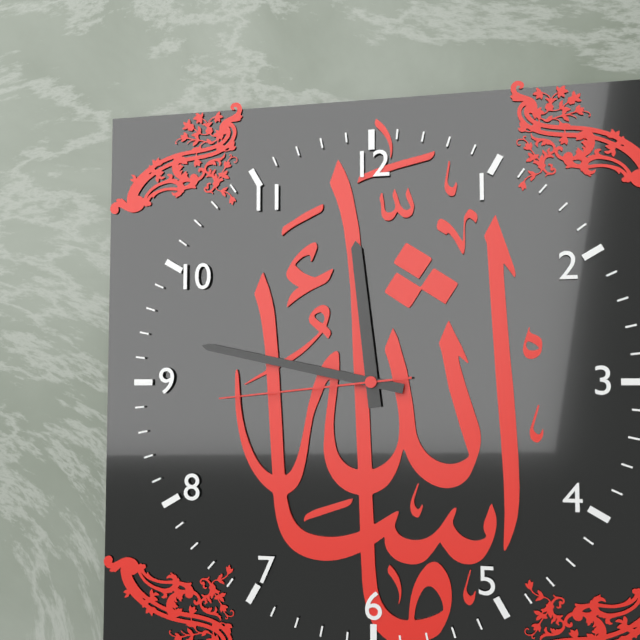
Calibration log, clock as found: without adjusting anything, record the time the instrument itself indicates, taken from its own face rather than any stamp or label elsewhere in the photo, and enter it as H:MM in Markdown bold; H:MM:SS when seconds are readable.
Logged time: **11:47:44**
